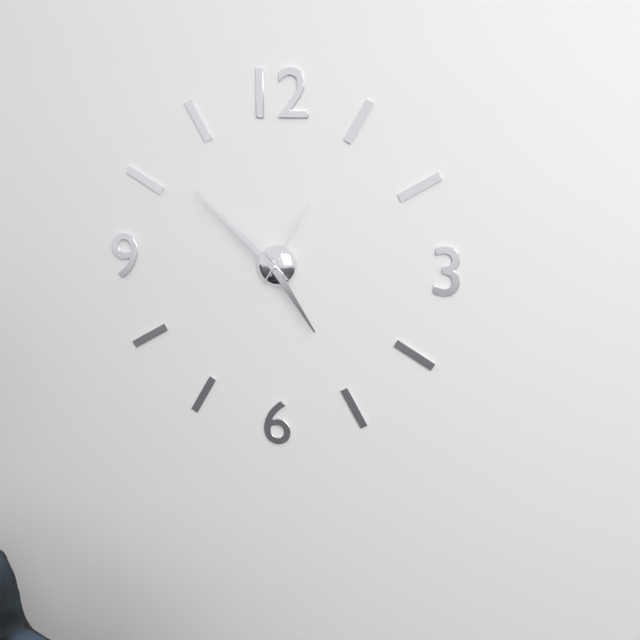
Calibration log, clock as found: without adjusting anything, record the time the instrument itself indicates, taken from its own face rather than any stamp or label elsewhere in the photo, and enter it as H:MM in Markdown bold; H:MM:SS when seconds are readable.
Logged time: **4:52:05**
